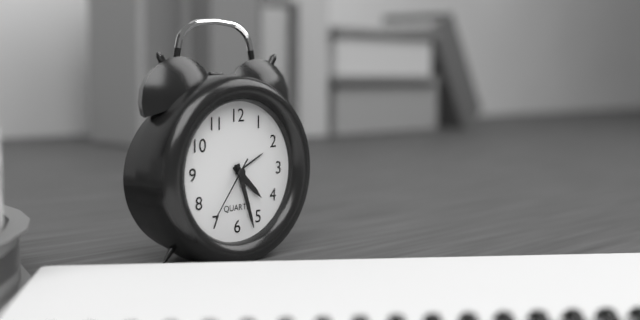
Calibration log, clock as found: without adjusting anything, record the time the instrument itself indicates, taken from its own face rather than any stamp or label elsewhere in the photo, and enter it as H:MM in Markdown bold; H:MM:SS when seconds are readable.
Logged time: **4:27:36**
